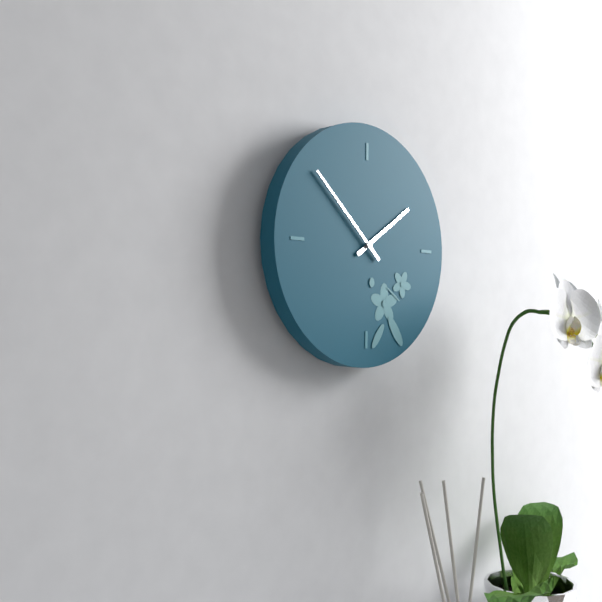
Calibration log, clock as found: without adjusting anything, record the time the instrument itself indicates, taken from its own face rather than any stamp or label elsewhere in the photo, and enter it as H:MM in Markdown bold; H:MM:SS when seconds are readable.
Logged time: **1:52**
